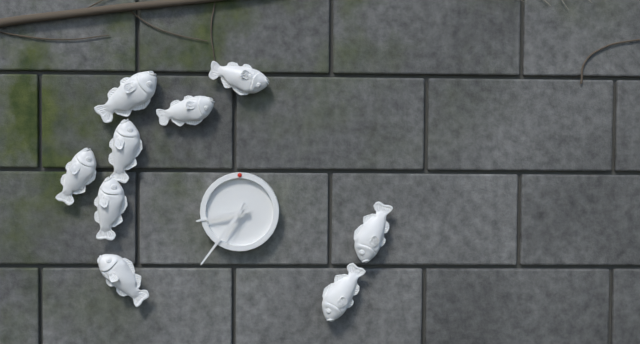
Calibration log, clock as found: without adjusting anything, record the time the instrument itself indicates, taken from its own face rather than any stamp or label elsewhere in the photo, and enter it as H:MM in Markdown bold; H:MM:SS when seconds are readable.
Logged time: **8:36**
